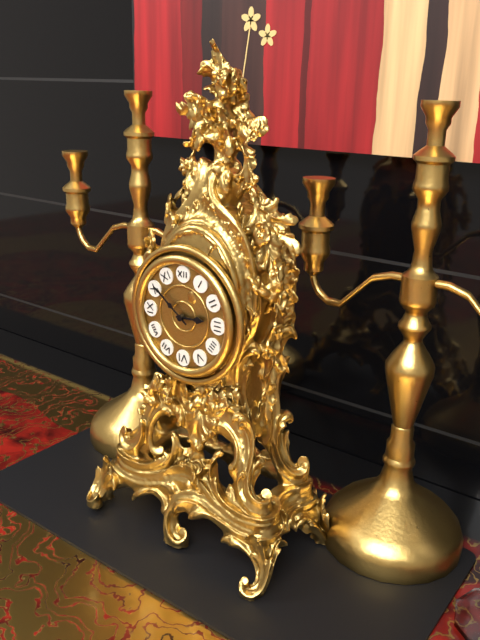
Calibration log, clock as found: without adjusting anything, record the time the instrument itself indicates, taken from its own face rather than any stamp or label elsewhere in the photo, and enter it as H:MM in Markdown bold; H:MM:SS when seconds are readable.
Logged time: **2:51**
